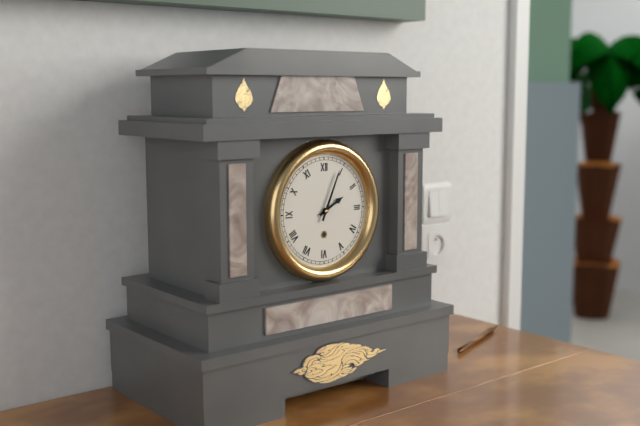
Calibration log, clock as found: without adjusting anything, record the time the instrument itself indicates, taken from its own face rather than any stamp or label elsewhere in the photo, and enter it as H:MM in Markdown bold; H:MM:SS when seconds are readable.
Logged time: **2:04**
